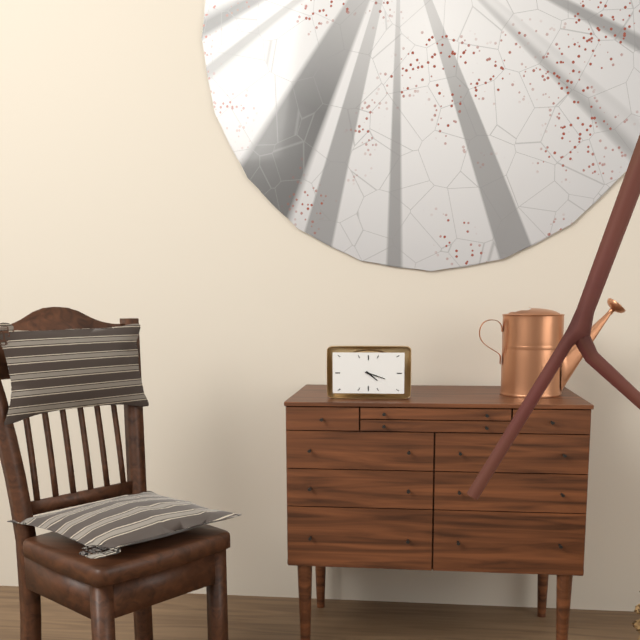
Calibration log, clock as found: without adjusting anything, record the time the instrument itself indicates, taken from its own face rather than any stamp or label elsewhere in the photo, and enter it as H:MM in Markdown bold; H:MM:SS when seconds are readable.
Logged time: **4:18**
